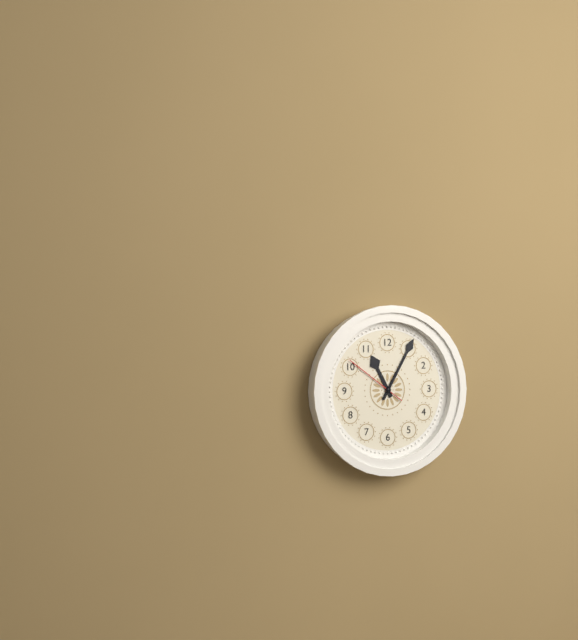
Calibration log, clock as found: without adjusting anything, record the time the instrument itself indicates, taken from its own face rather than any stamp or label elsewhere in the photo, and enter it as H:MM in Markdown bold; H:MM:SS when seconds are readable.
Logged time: **11:05:51**
